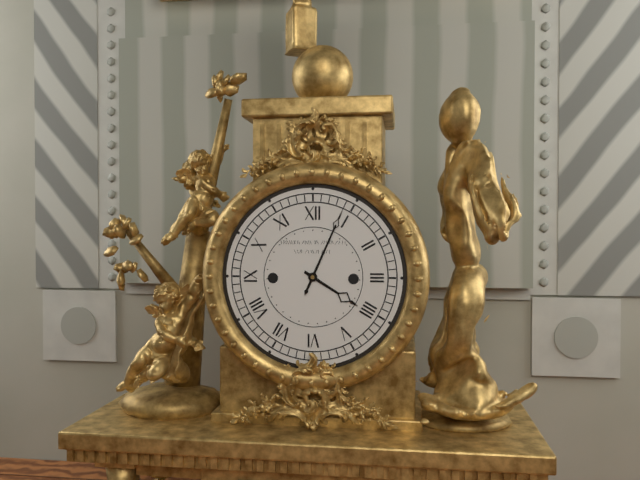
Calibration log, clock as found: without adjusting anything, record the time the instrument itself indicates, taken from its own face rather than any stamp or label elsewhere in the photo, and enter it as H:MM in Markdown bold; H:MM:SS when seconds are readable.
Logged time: **4:04**
